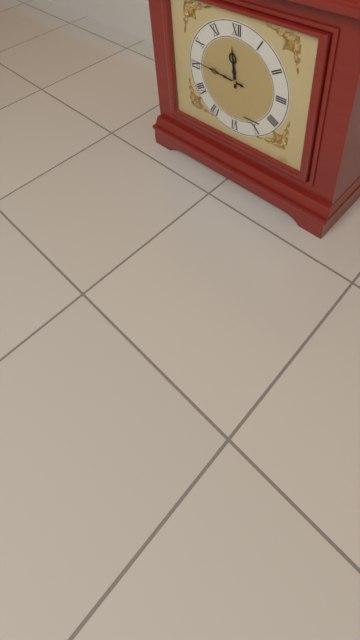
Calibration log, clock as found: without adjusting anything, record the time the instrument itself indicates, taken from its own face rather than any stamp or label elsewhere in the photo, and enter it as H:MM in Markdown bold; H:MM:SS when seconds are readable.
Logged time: **11:46**
